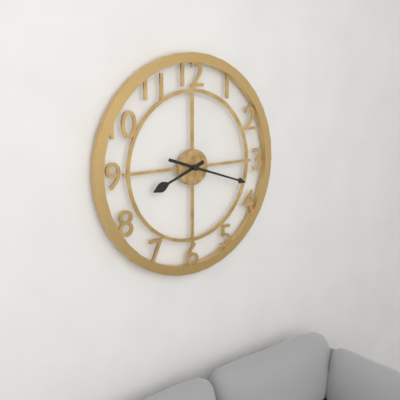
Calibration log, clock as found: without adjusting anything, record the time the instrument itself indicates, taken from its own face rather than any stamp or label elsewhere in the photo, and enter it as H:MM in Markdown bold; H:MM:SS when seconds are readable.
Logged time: **8:18**
